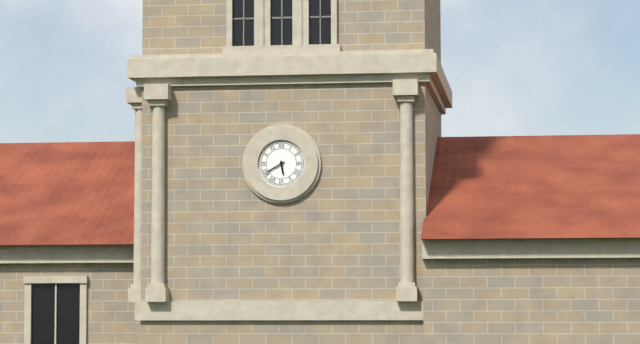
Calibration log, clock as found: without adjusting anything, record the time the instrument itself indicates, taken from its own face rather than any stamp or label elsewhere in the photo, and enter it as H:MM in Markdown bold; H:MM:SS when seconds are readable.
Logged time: **5:40**
